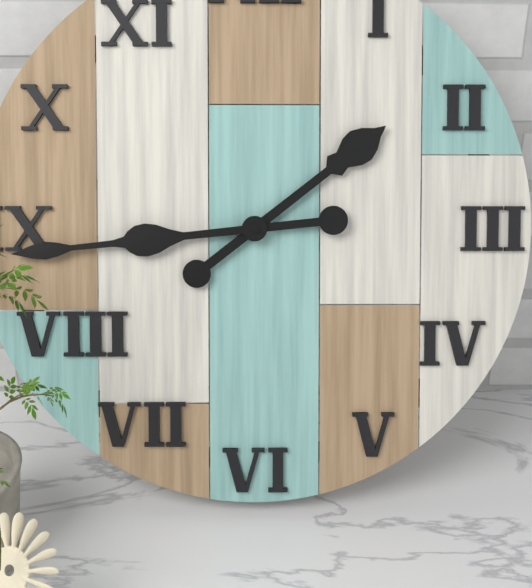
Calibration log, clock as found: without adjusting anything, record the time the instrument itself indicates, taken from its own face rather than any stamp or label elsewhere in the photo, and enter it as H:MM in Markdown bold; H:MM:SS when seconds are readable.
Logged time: **1:44**
